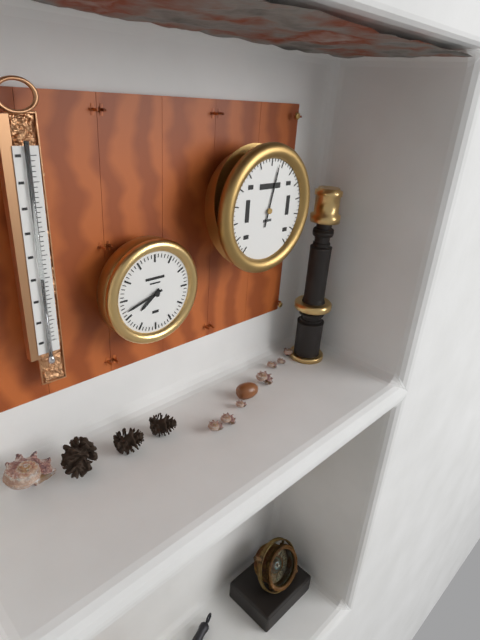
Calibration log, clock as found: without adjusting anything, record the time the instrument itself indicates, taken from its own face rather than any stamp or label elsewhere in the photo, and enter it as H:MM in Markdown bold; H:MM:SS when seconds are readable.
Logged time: **7:42**
